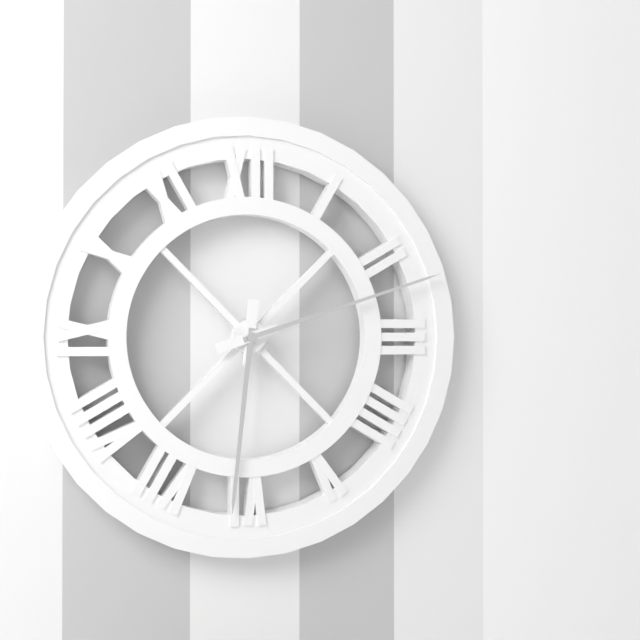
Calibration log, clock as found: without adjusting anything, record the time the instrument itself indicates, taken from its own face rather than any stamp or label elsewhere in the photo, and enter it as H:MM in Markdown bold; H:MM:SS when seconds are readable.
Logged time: **6:12**
